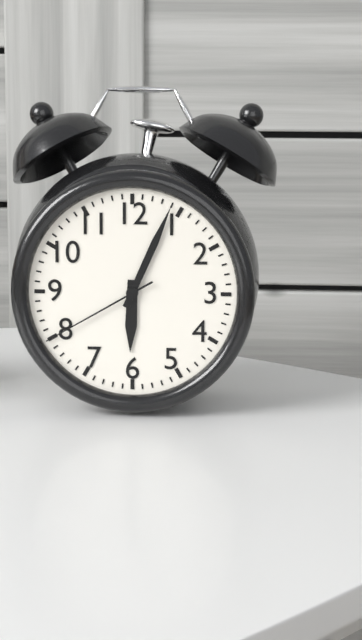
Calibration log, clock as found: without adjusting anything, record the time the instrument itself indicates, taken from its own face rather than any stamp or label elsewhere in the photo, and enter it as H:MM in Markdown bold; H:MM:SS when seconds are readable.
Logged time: **6:04:40**
